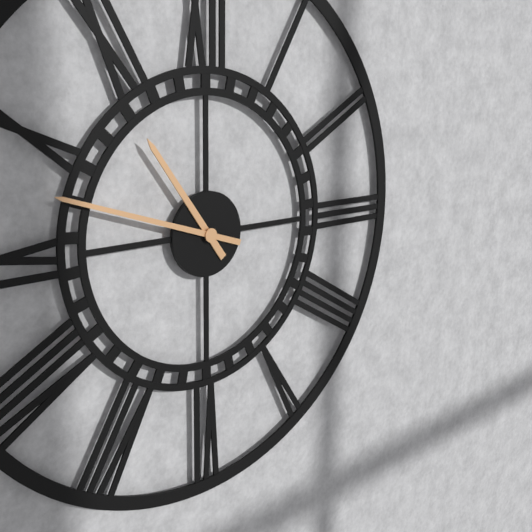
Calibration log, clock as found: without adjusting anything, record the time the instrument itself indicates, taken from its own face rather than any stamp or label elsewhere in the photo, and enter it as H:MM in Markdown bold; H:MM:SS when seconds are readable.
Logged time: **10:48**
